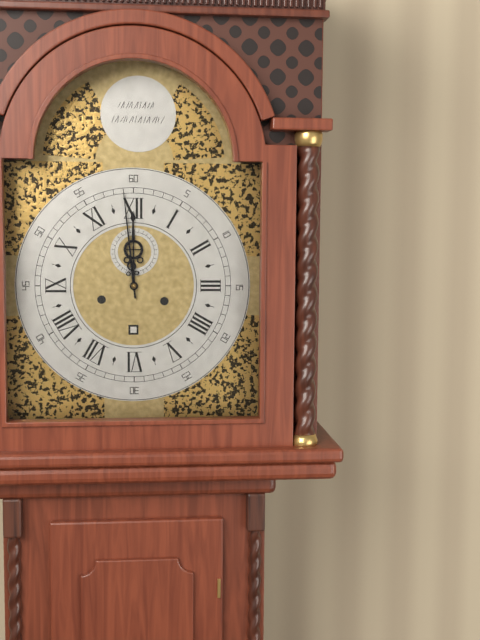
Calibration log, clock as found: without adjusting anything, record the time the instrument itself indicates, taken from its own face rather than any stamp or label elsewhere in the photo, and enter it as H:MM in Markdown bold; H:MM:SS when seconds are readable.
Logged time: **11:59**
